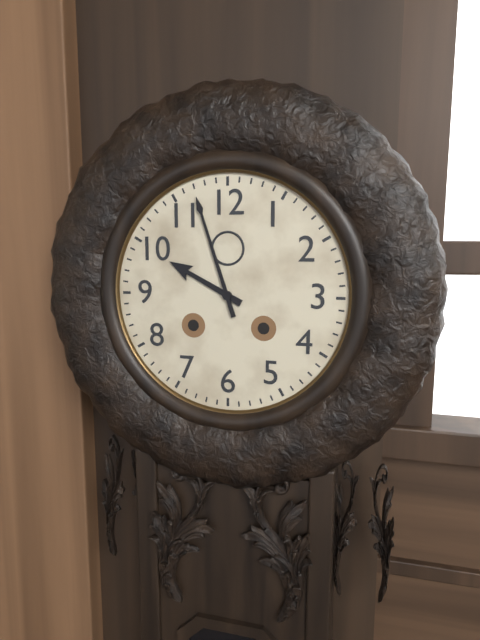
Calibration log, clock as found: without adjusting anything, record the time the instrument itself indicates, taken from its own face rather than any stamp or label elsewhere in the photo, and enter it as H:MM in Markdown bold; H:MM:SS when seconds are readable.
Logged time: **9:57**
